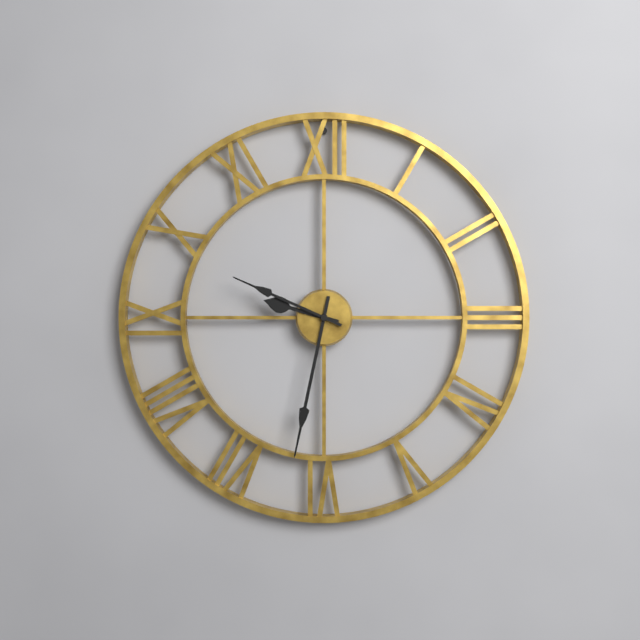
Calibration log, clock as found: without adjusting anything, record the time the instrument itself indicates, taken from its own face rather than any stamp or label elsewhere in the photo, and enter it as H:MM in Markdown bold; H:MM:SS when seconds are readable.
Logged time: **9:32:49**
